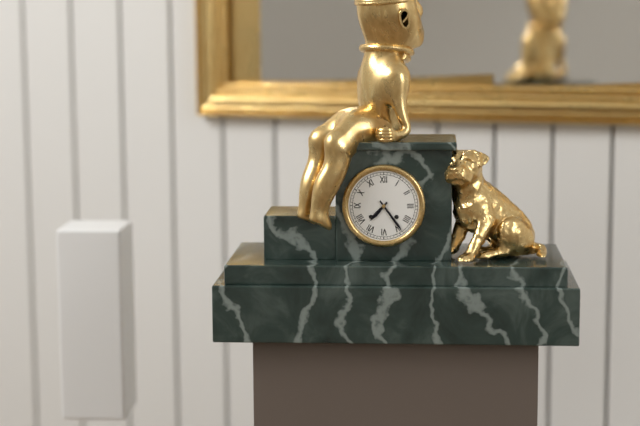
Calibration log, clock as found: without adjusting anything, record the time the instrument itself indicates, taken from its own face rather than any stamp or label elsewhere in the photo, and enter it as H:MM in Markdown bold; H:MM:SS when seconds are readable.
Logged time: **7:24**
